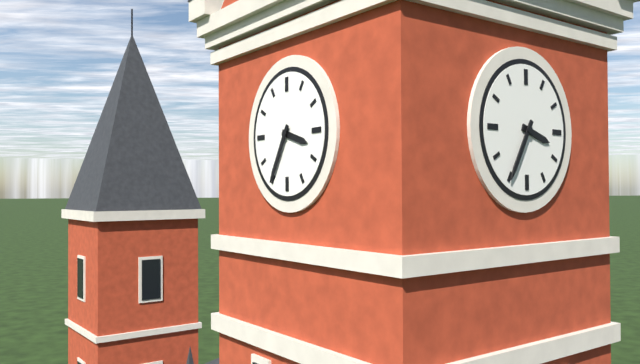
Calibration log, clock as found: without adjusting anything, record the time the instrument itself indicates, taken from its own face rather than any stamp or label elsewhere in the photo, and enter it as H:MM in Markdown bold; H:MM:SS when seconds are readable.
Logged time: **3:35**
